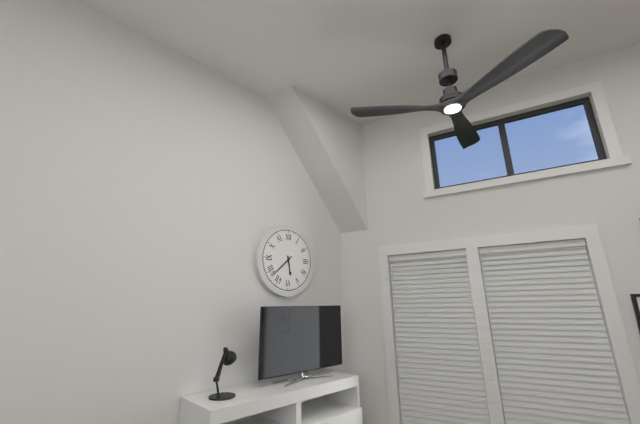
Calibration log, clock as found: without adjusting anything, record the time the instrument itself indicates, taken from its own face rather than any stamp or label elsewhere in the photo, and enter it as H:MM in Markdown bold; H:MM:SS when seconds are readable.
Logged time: **5:38**
